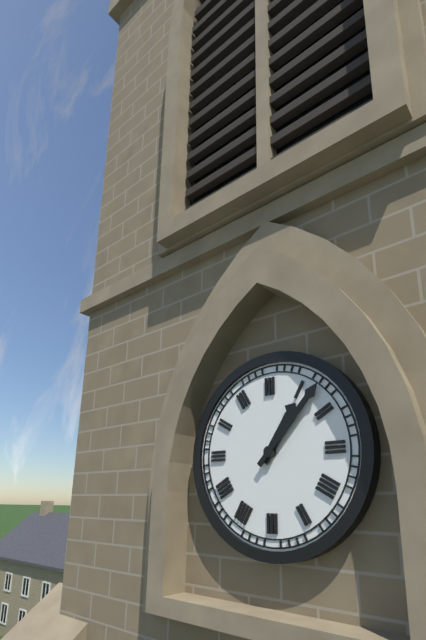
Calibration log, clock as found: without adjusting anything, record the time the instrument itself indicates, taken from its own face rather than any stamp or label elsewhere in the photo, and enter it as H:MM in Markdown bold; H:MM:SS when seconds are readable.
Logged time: **1:07**
